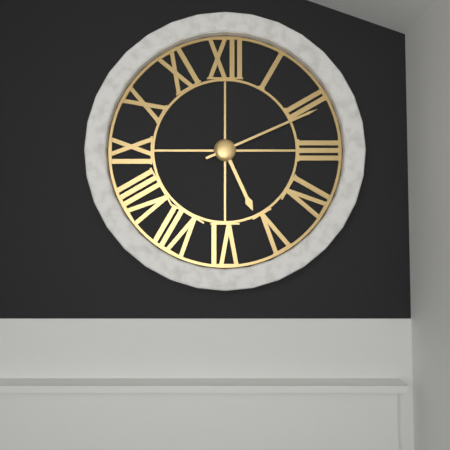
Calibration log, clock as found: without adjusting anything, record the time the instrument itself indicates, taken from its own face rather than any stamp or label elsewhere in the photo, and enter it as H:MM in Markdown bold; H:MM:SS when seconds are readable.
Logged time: **5:11**
